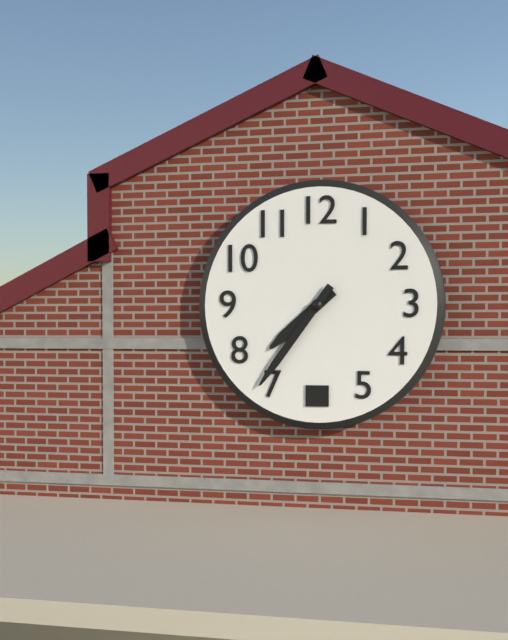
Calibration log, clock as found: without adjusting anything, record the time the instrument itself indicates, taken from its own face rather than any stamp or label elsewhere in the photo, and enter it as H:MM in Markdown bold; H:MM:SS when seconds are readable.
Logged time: **7:36**
